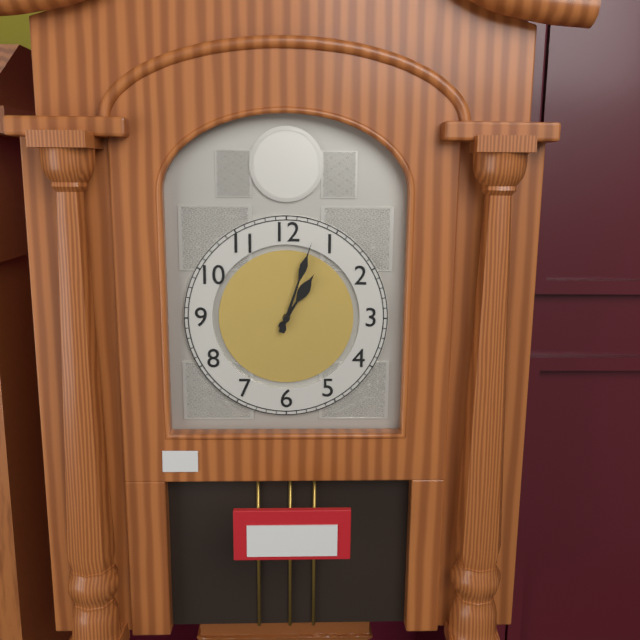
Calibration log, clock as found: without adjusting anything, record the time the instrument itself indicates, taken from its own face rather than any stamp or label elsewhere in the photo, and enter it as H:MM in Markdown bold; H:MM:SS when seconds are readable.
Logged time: **1:03**
